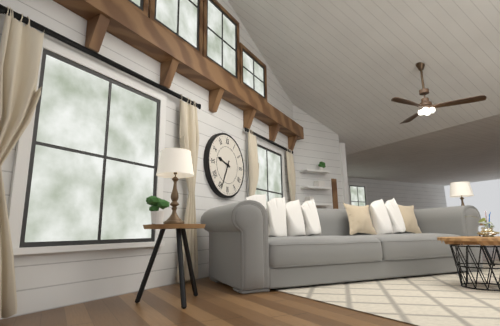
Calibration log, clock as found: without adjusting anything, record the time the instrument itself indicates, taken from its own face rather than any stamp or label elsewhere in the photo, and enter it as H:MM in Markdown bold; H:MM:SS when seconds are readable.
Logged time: **9:34**
